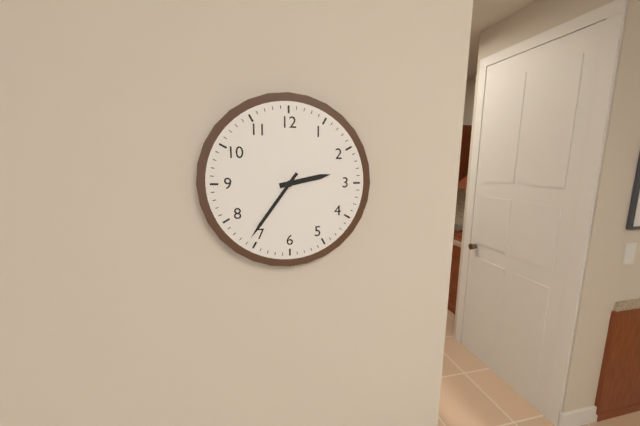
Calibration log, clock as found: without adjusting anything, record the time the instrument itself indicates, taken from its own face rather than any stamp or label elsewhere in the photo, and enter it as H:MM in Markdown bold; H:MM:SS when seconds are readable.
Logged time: **2:36**
